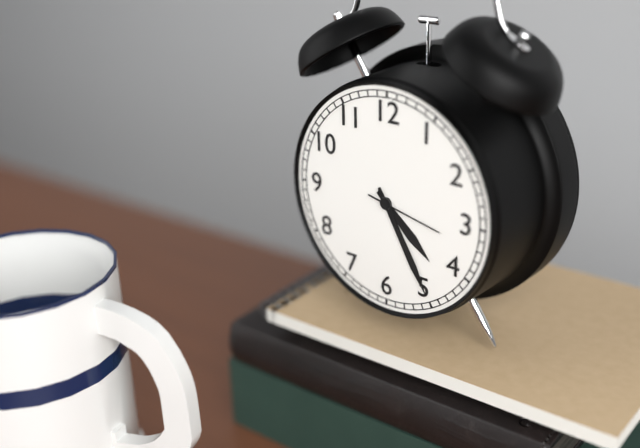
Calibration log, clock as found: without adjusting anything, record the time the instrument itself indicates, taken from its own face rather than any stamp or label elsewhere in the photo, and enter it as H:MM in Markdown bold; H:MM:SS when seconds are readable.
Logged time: **4:25:17**
